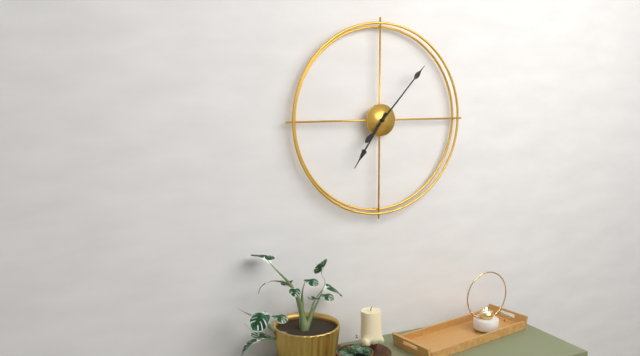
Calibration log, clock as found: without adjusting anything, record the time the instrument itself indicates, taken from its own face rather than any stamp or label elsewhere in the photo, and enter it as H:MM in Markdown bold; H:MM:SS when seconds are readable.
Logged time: **7:07**
